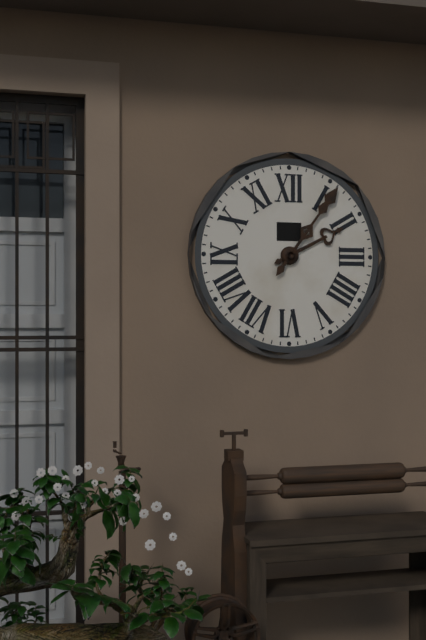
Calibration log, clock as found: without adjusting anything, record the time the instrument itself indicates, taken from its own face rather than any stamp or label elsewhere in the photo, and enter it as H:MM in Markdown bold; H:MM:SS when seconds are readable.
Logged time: **2:06**
